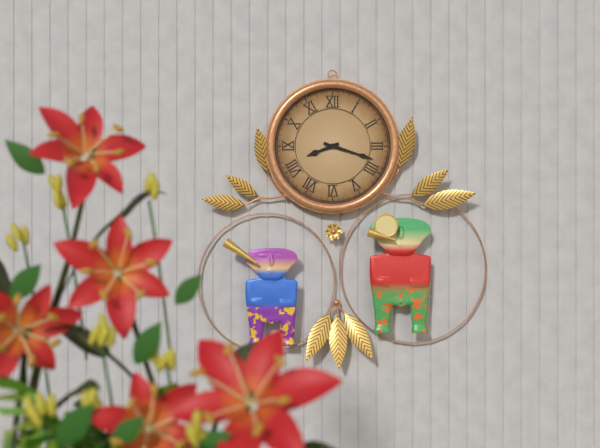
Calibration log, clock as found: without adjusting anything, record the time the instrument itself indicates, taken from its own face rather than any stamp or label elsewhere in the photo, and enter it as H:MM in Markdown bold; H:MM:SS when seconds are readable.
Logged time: **8:18**
